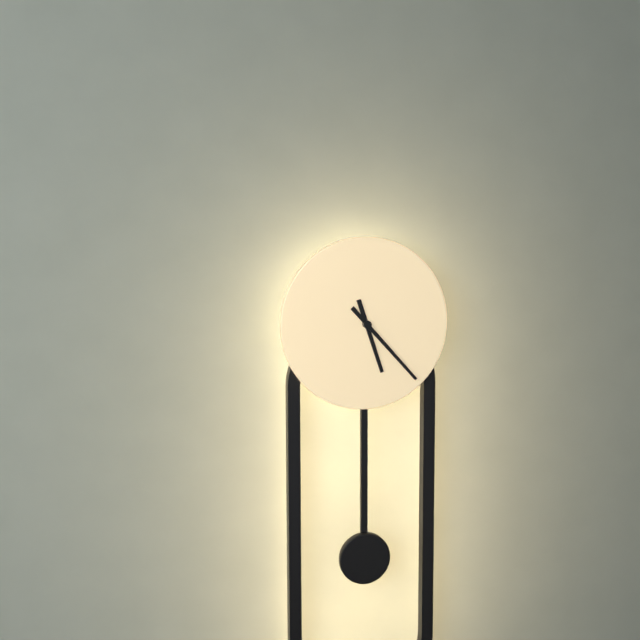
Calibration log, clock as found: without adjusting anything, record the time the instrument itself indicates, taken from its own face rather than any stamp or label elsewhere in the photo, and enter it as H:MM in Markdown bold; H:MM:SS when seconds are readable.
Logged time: **5:23**
